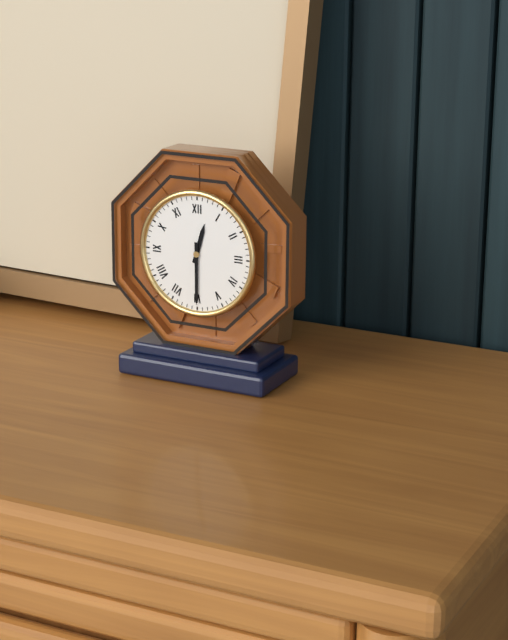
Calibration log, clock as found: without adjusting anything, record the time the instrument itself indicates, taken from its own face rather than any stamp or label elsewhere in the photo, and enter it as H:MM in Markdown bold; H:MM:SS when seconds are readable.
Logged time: **12:30**
